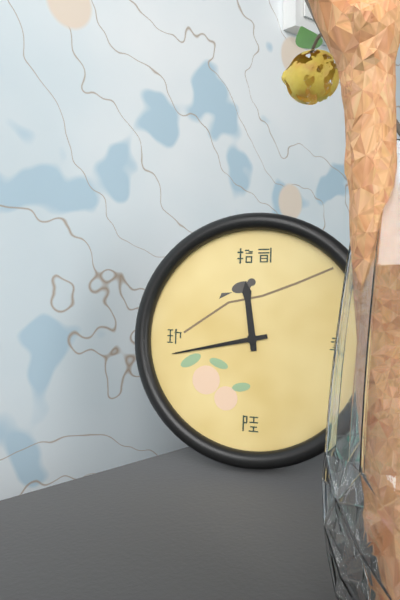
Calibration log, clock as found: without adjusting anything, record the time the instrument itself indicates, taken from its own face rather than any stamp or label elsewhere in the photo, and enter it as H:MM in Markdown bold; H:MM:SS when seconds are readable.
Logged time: **11:43**
